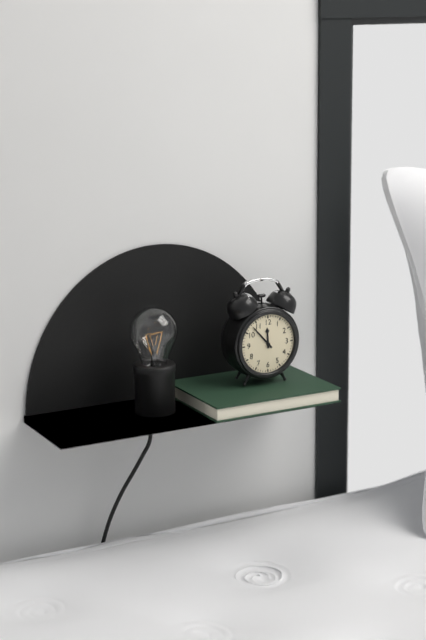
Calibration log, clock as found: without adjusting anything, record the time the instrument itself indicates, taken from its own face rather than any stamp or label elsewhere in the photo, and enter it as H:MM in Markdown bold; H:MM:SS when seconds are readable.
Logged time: **11:53**
